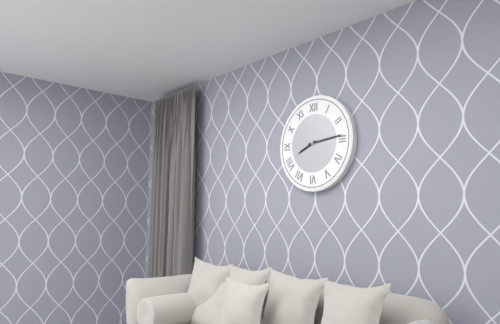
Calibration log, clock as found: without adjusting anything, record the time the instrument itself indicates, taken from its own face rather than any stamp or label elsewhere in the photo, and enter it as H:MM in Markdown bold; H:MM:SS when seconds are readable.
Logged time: **8:14**
